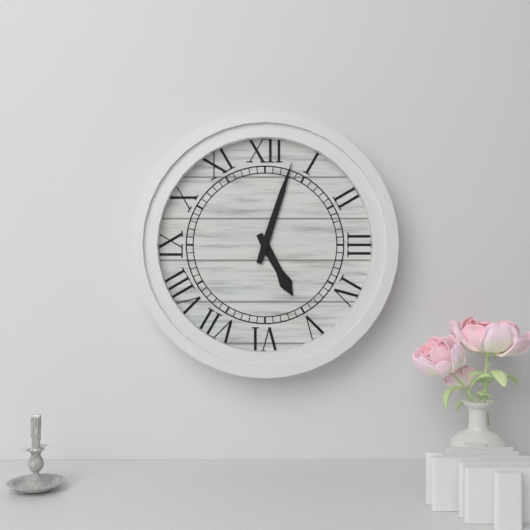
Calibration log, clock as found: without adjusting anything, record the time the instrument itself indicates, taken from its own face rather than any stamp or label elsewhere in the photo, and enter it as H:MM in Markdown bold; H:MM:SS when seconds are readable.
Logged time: **5:03**
